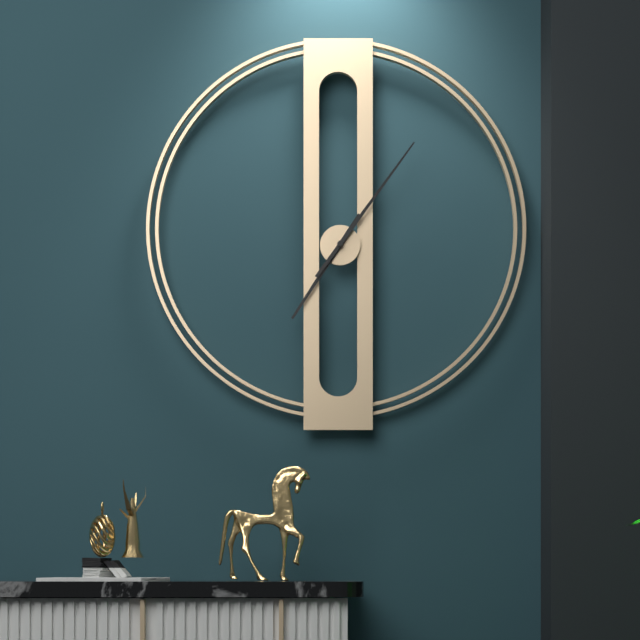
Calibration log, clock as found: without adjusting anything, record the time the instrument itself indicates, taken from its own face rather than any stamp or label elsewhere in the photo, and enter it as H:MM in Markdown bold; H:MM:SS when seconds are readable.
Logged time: **7:06**
